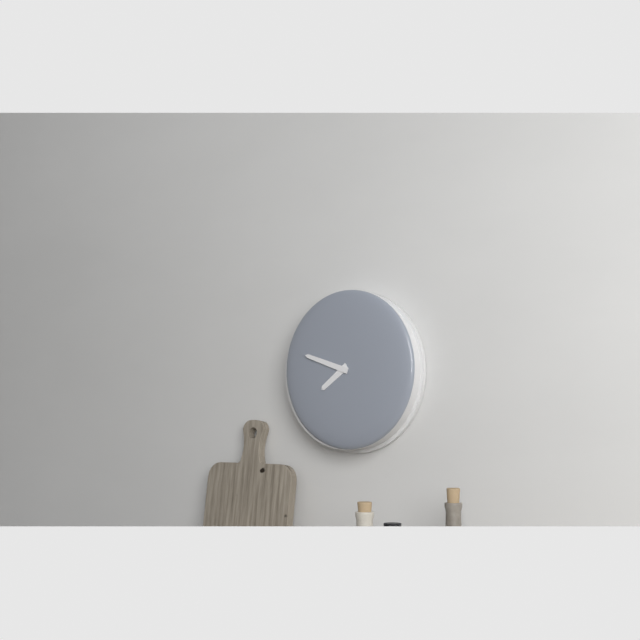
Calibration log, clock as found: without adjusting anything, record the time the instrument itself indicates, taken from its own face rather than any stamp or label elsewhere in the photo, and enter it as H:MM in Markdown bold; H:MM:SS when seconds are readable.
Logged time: **7:48**
